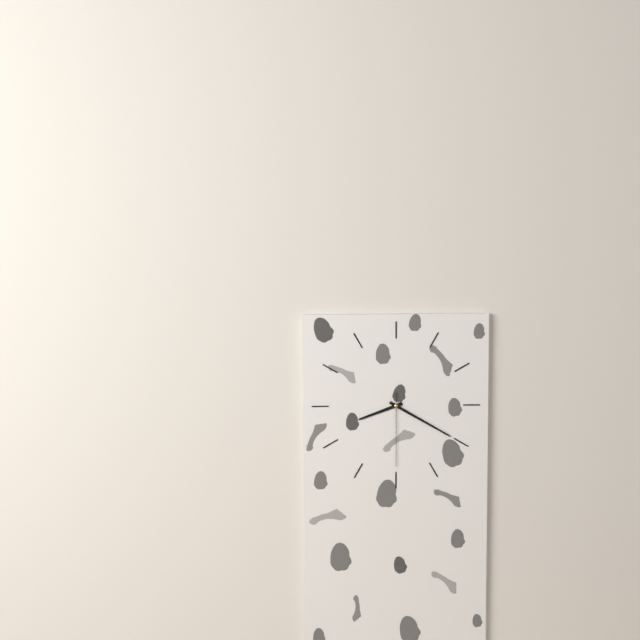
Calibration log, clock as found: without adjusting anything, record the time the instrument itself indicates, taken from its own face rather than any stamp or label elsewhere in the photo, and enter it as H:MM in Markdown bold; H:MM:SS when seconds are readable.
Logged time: **8:20:30**
